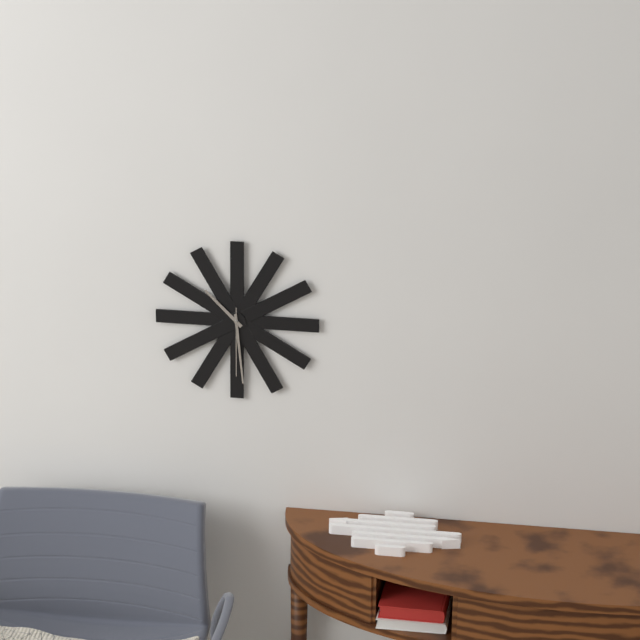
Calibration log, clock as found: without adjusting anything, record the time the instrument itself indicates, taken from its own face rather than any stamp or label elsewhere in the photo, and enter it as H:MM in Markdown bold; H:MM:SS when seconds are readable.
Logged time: **10:29:30**
